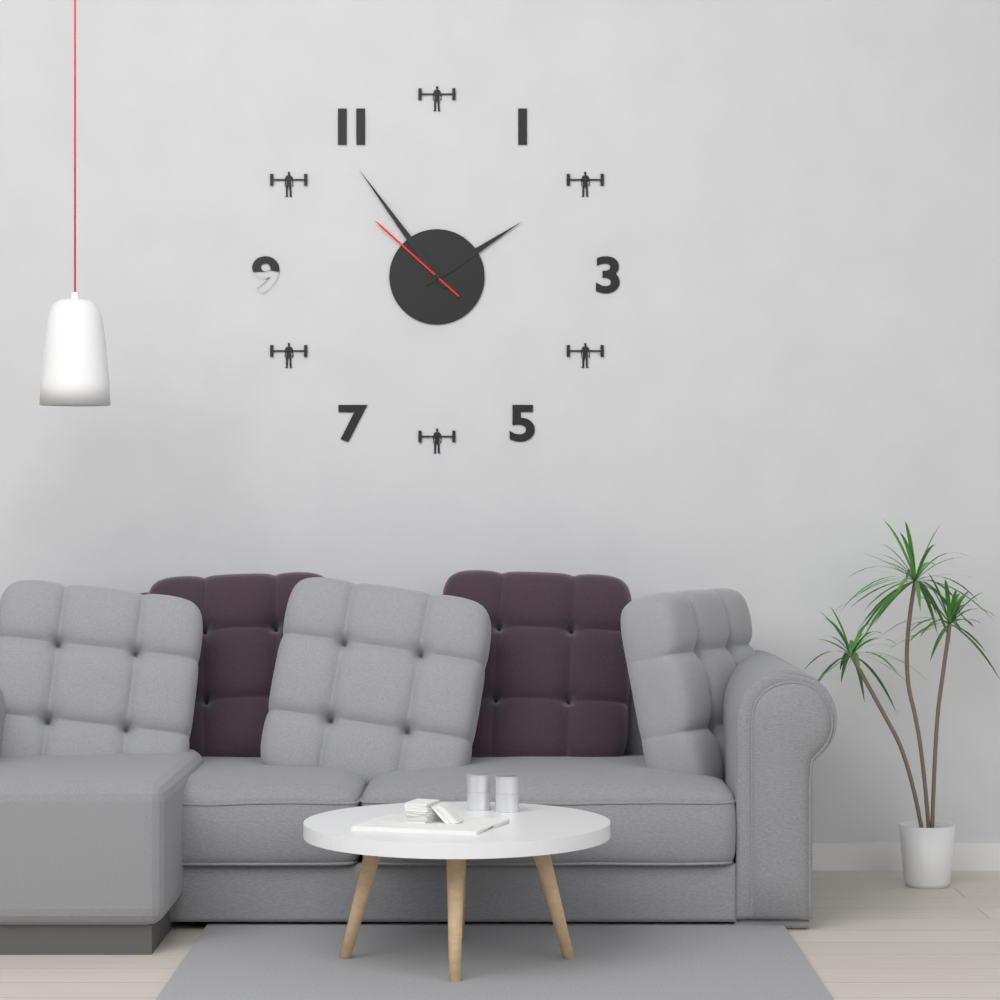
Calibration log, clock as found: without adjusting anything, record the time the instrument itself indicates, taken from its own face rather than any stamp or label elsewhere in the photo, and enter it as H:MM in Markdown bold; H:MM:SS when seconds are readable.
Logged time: **1:54:52**
